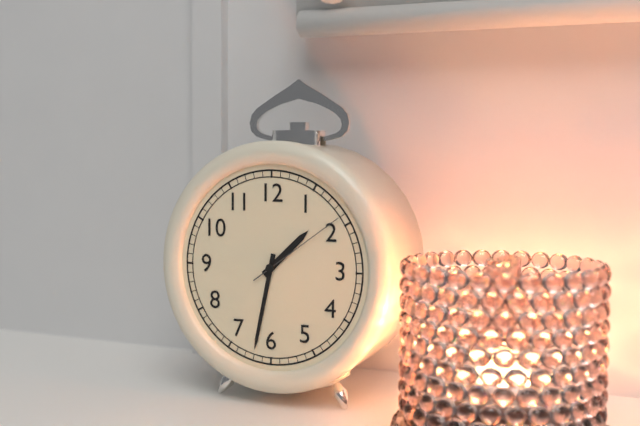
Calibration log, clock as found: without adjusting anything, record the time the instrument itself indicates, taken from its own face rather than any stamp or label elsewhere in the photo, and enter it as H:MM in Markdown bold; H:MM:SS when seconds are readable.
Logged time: **1:32:09**
